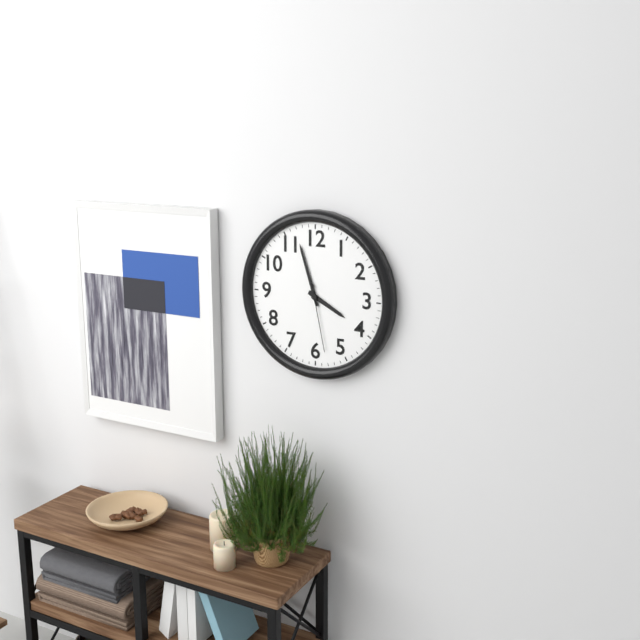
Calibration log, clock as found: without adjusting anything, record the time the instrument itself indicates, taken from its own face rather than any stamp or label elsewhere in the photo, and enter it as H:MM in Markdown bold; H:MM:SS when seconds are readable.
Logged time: **3:57:28**
